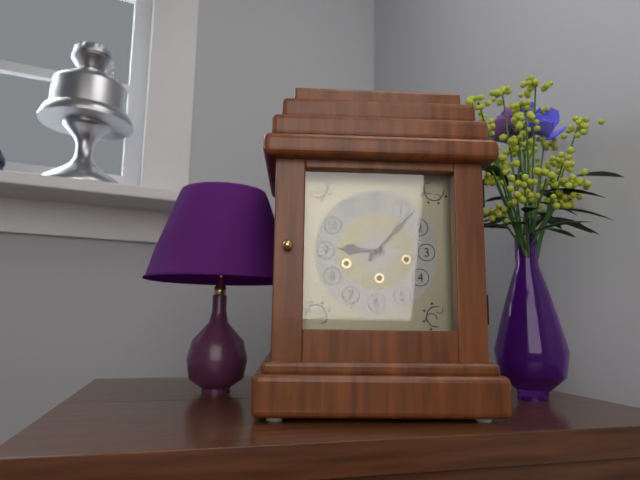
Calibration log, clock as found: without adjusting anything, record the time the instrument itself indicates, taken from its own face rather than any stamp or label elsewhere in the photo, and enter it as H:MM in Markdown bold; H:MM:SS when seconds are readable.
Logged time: **9:07**
